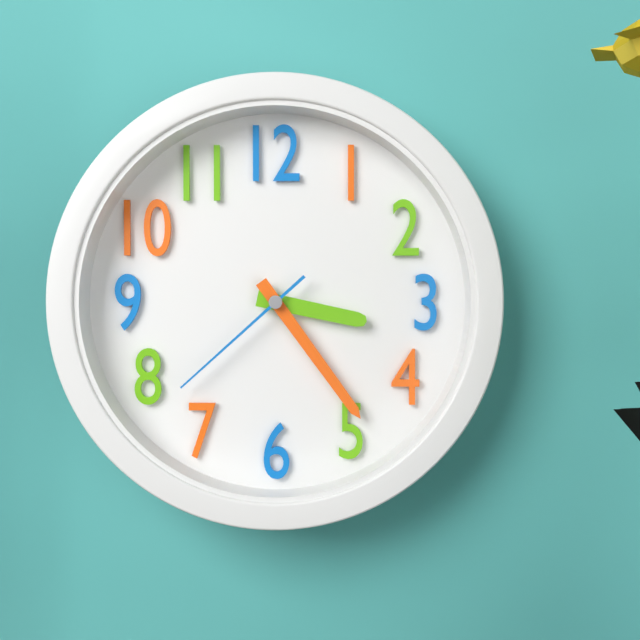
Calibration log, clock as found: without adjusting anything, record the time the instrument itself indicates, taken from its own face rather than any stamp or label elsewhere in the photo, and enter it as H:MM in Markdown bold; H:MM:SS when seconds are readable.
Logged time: **3:24:38**
